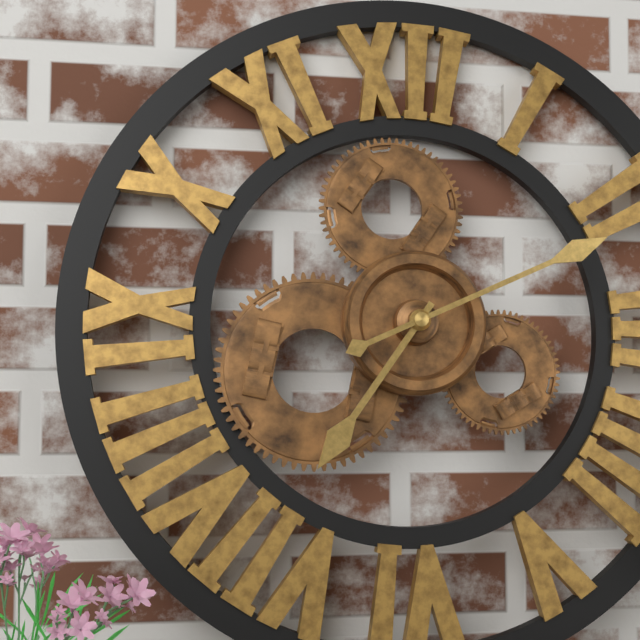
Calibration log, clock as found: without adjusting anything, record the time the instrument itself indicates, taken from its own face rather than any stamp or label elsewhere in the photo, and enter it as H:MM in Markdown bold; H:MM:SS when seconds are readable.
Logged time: **7:11**
